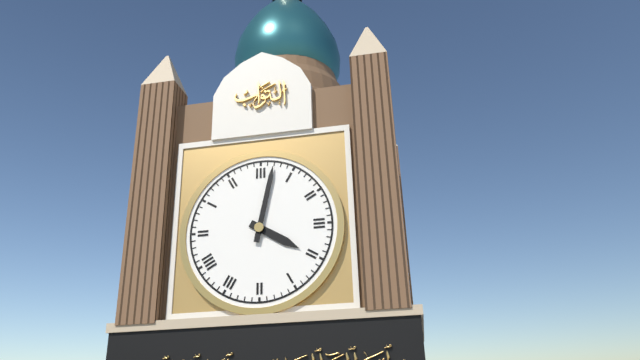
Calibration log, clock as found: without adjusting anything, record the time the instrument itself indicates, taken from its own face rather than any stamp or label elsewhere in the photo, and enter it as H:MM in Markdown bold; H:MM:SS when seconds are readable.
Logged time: **4:02**
